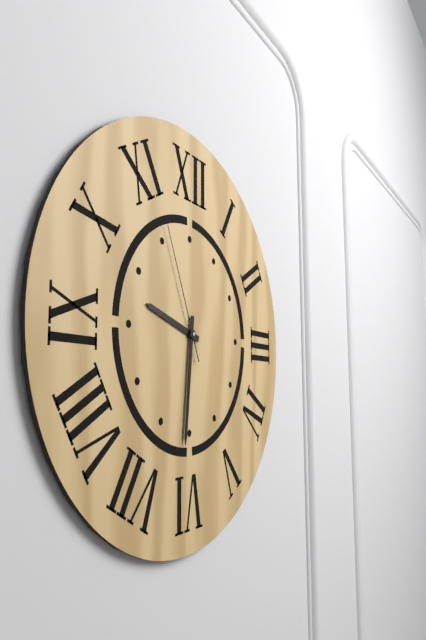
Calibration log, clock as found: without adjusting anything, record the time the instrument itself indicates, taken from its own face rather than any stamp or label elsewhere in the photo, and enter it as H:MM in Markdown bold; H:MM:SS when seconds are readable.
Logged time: **9:31:56**
